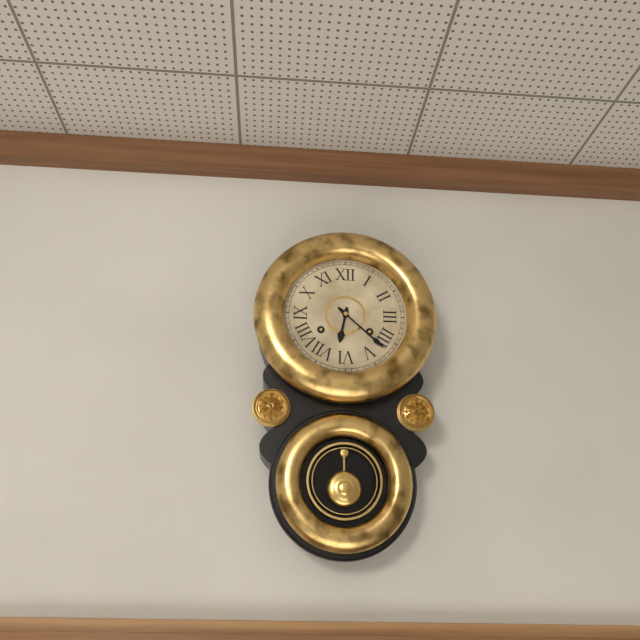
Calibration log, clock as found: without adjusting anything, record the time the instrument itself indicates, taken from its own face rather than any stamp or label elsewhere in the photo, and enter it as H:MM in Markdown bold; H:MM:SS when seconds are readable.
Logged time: **6:22**
